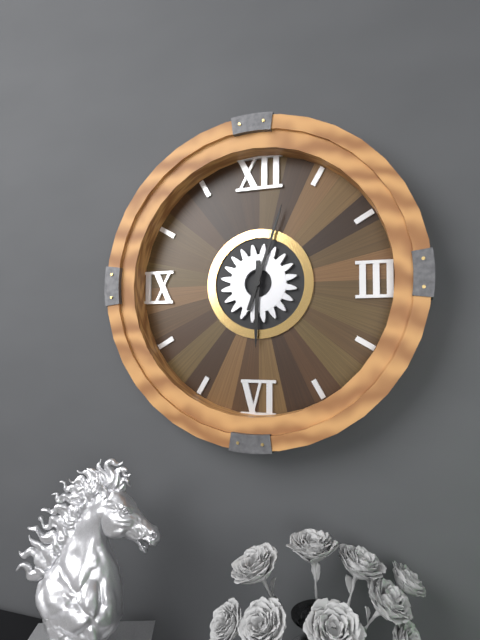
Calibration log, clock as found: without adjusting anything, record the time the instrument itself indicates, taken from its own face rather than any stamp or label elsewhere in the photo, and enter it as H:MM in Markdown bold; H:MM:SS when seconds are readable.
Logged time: **6:03**
